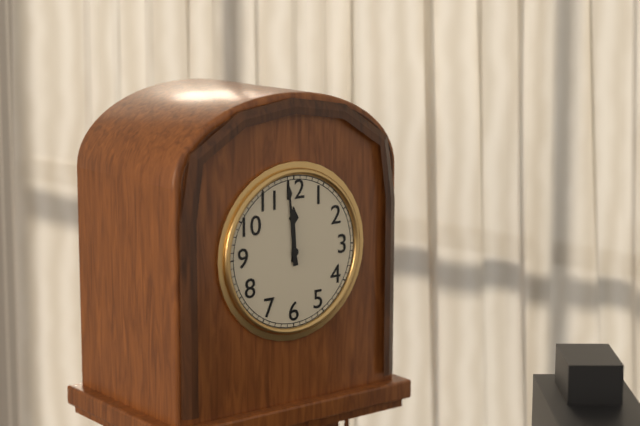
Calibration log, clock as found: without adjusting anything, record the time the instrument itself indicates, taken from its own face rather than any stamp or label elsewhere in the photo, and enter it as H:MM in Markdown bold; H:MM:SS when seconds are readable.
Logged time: **11:59**
